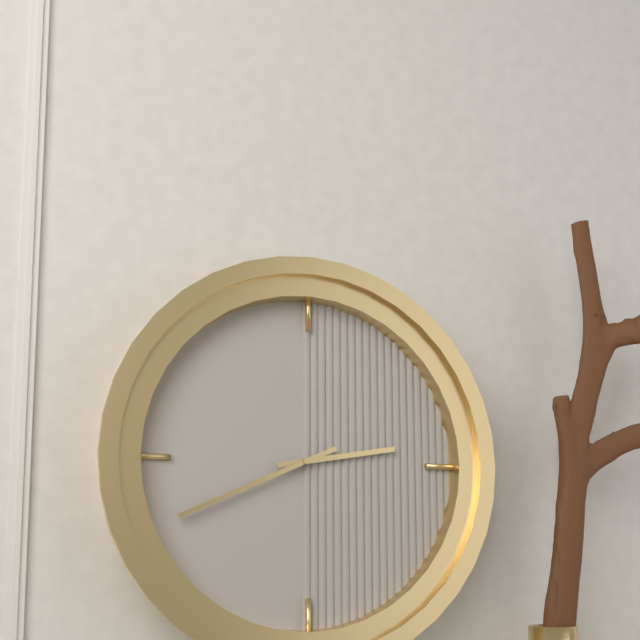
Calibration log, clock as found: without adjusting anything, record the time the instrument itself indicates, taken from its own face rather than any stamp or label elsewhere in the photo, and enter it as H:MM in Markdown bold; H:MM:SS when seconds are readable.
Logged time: **2:41**
